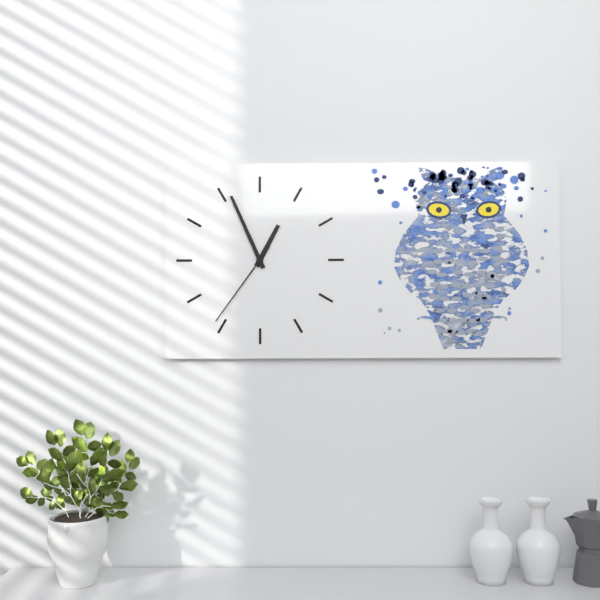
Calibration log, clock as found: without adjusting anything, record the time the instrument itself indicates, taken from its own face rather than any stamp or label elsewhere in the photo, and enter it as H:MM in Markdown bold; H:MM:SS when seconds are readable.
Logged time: **12:56:36**
